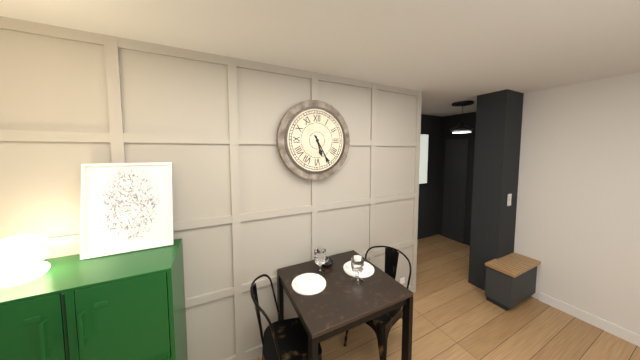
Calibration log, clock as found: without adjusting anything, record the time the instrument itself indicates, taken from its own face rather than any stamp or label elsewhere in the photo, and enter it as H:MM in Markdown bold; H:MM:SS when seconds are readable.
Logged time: **5:25**
